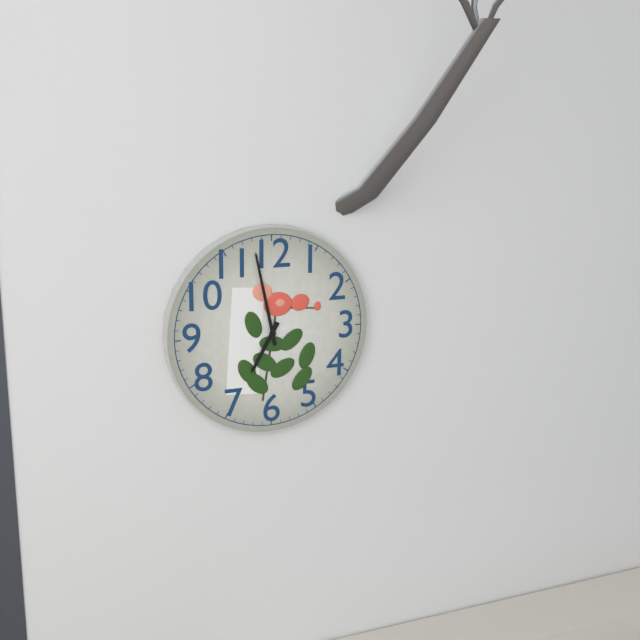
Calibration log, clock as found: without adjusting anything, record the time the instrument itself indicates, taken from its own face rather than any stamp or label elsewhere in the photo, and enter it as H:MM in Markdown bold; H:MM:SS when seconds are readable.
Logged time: **6:58**
